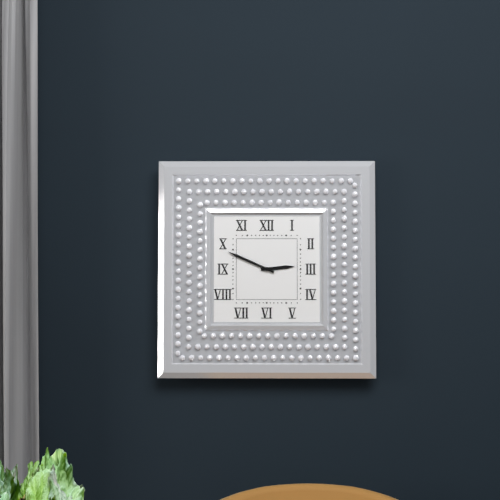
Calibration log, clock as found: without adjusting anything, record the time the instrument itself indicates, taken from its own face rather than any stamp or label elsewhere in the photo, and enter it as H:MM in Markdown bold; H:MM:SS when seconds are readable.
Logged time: **2:49**
